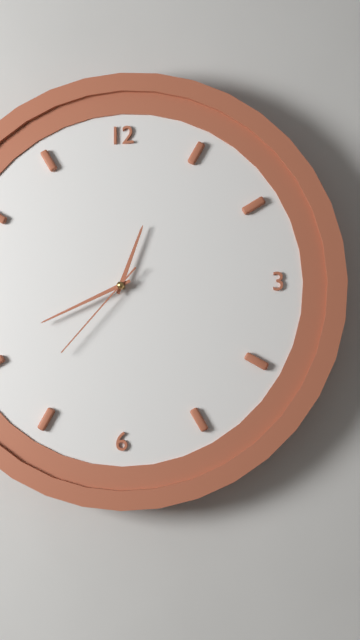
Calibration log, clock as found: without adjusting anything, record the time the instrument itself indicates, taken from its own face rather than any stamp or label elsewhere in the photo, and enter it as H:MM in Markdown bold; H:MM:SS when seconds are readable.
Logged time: **12:41:37**
